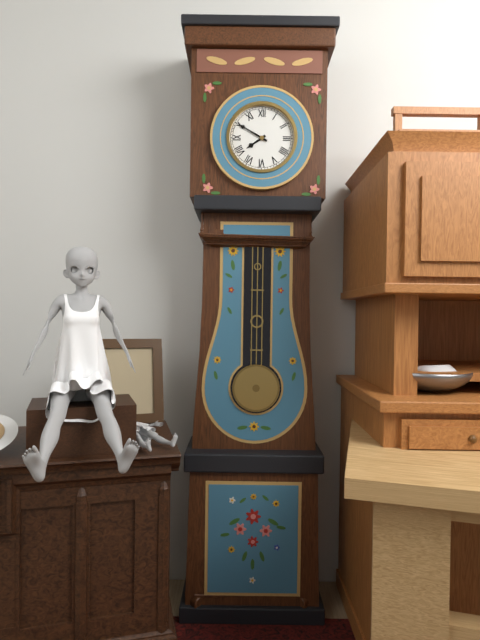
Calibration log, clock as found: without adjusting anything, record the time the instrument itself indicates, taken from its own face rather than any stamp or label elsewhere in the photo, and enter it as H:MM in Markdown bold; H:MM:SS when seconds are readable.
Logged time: **7:50**
